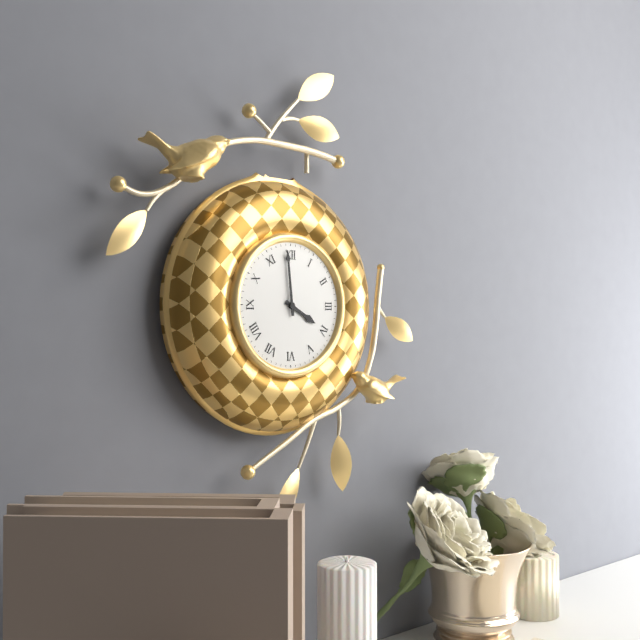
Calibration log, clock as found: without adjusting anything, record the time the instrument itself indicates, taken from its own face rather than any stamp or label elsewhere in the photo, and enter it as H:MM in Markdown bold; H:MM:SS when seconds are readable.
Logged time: **3:59**
